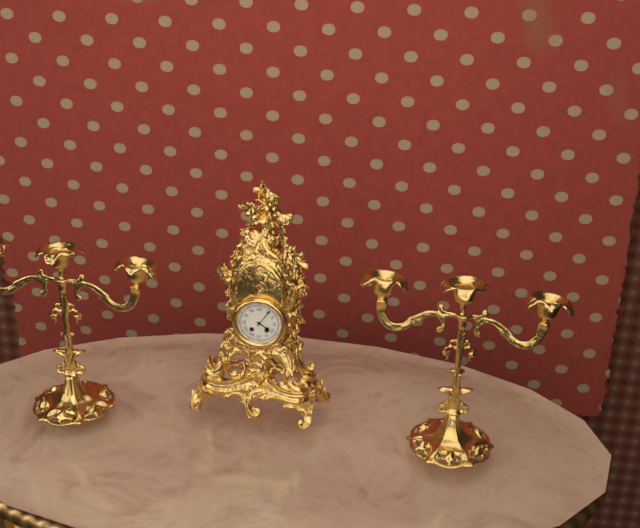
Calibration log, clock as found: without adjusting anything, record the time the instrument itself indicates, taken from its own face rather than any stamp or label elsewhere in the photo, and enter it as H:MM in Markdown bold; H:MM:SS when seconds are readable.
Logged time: **4:06**
